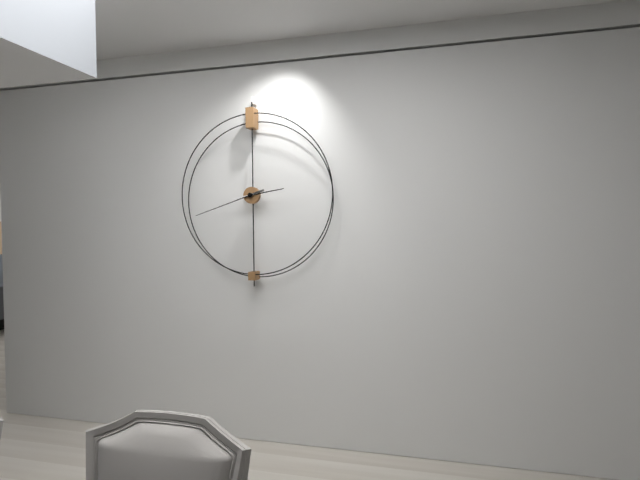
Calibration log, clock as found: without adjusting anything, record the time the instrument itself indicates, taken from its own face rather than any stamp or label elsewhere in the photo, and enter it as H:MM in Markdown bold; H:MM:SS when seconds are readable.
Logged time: **2:42**
